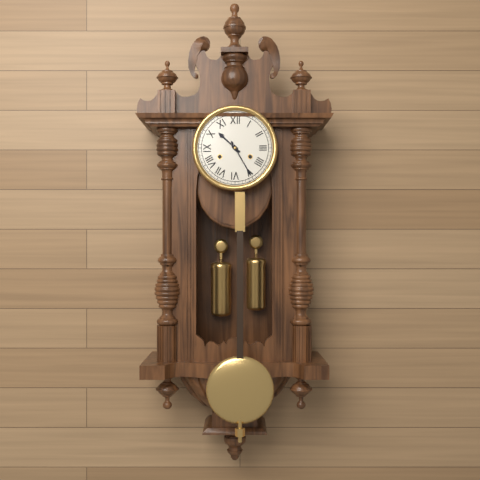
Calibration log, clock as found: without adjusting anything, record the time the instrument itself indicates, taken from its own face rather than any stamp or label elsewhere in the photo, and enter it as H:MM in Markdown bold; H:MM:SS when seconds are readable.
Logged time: **10:25**
